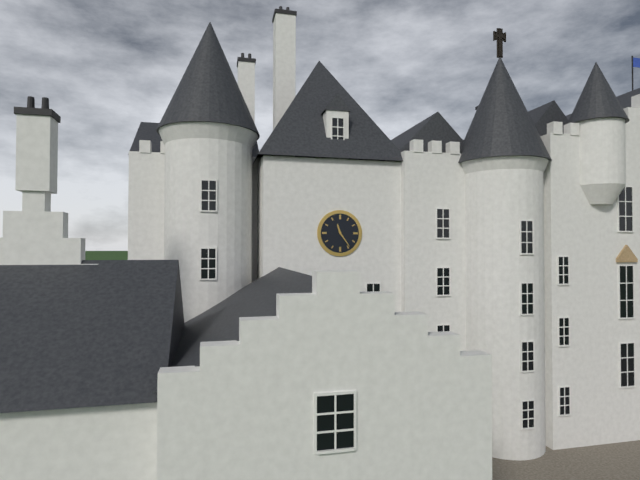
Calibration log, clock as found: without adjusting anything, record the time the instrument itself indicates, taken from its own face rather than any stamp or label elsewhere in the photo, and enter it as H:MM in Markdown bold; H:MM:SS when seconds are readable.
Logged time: **11:24**
